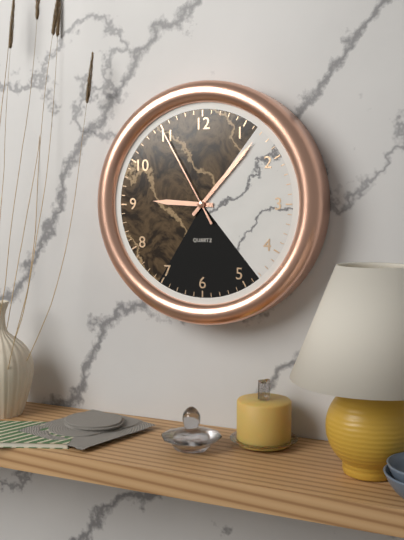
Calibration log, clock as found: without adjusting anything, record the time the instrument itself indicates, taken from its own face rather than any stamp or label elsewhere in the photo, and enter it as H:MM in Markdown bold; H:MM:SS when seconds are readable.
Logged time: **9:07:55**
